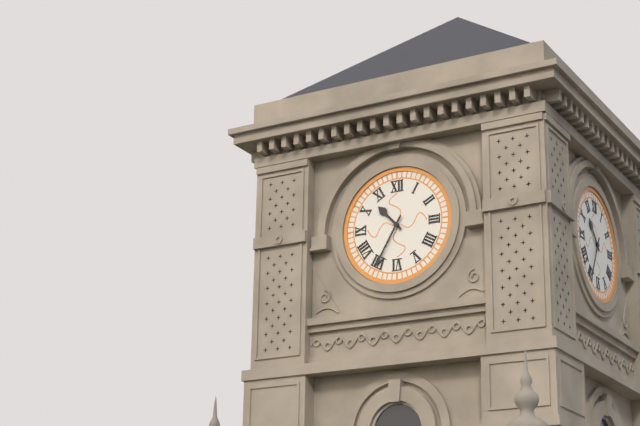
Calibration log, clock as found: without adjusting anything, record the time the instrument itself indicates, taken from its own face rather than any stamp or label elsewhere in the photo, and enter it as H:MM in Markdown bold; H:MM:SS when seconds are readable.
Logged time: **10:35**
